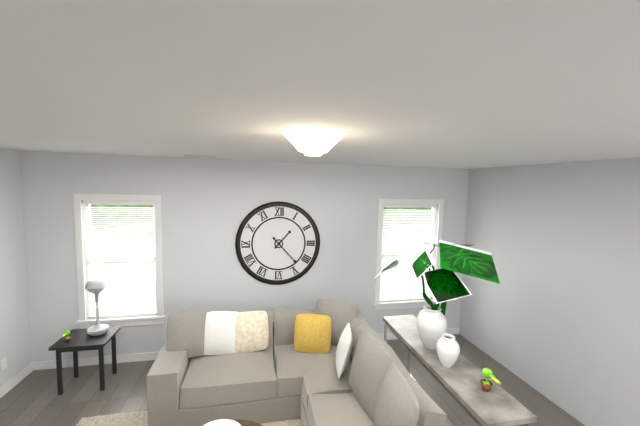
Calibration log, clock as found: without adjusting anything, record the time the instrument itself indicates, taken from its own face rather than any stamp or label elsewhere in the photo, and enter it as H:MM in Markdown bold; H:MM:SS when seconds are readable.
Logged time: **1:23**
